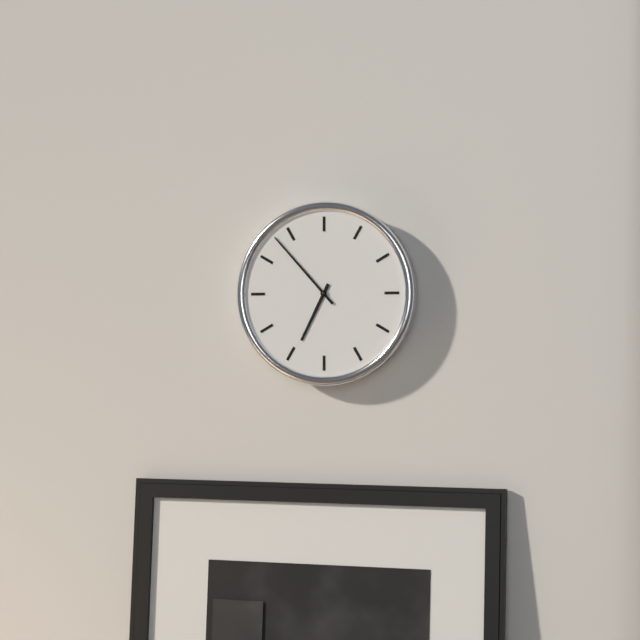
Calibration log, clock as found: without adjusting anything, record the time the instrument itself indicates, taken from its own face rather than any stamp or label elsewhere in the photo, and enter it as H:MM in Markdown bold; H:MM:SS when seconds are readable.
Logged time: **6:53**
